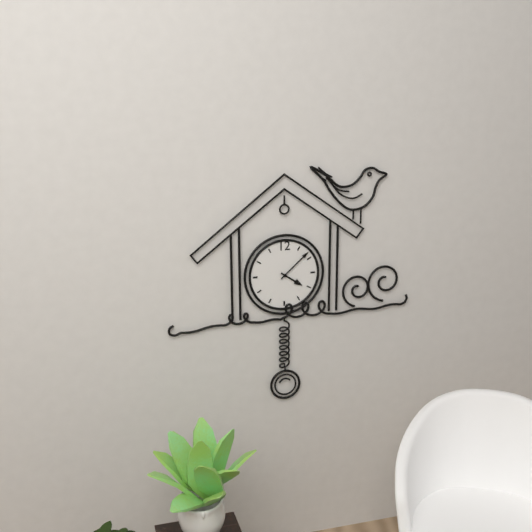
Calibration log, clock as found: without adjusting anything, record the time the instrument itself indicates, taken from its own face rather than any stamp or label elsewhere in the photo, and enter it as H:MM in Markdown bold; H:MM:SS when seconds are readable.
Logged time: **4:08**
